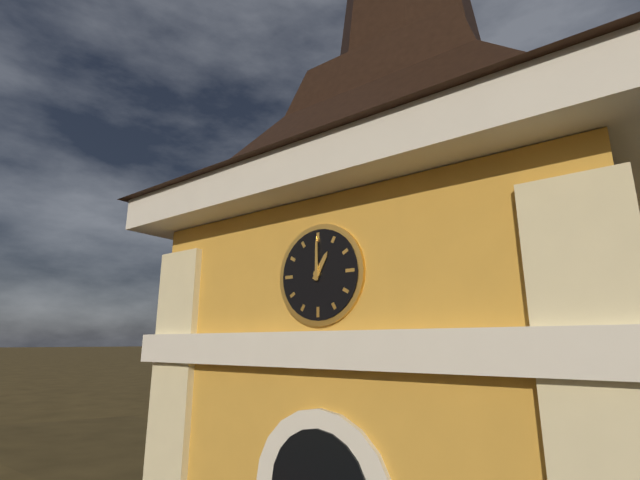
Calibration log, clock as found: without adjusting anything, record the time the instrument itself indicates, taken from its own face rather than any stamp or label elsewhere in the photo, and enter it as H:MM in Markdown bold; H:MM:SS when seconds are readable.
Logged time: **1:00**
